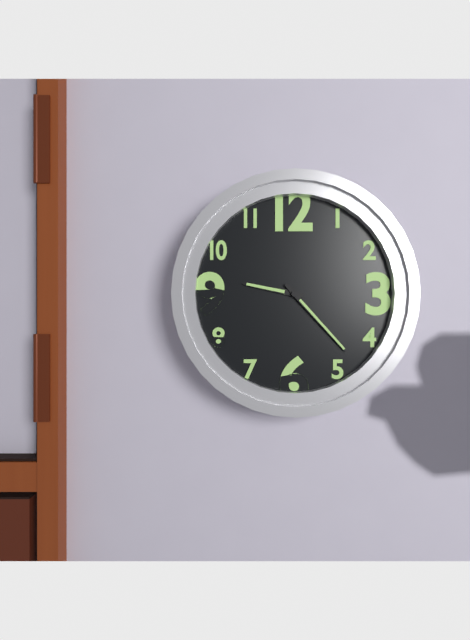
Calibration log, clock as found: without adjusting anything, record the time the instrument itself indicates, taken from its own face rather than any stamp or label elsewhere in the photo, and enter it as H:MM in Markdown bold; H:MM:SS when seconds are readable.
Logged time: **9:23**
